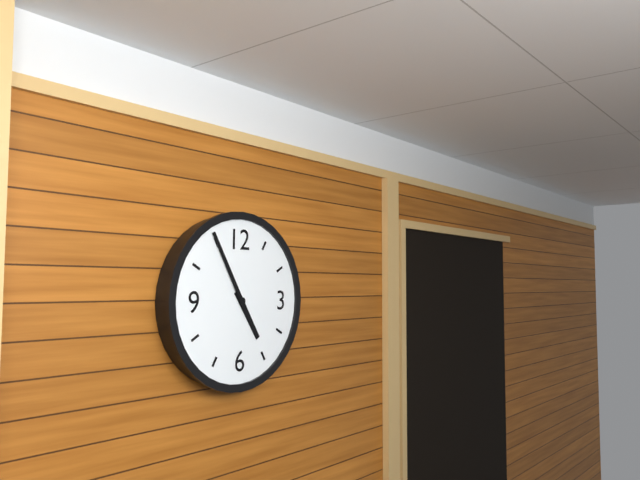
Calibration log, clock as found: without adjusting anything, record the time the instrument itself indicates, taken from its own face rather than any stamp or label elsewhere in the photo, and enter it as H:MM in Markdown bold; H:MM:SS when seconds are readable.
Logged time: **4:55**
